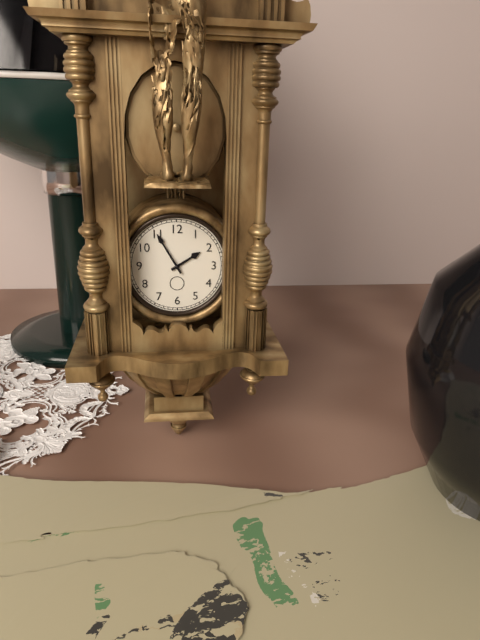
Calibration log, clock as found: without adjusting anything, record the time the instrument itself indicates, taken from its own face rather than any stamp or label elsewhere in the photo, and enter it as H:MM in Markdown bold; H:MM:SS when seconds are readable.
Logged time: **1:55**
